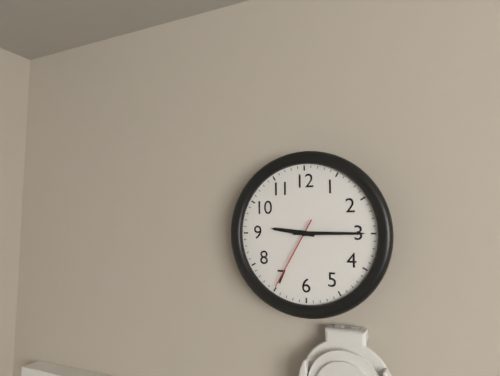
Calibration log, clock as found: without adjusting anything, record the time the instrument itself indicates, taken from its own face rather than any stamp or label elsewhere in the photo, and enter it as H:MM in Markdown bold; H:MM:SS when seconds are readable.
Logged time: **9:15:35**
